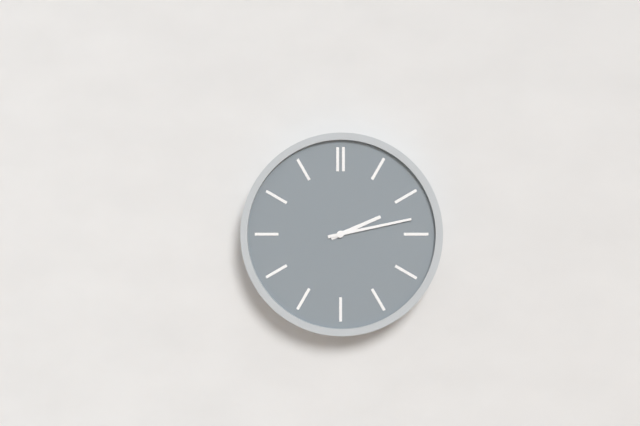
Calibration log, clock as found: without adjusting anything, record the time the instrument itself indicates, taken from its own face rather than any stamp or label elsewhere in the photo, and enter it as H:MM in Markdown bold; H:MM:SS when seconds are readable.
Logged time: **2:13**
